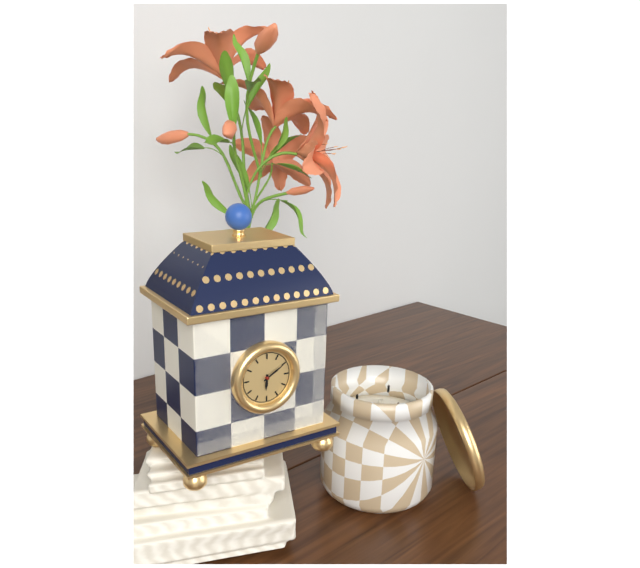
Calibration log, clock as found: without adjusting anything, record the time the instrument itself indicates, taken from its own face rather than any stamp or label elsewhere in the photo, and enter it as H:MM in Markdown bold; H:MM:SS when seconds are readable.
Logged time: **6:10**
